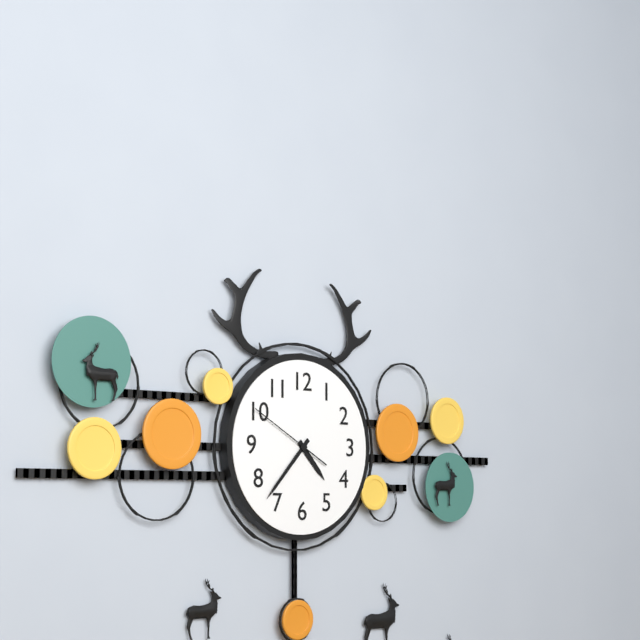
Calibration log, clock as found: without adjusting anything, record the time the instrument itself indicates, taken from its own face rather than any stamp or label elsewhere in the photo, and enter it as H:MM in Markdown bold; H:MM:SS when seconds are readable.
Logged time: **4:37:50**
